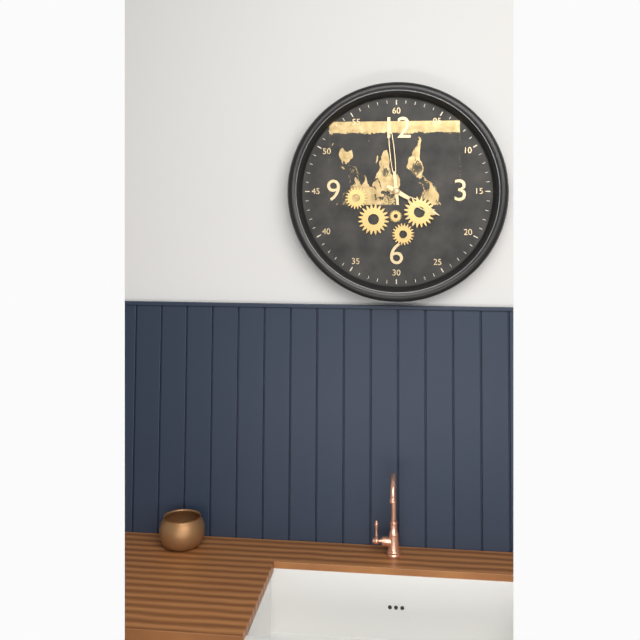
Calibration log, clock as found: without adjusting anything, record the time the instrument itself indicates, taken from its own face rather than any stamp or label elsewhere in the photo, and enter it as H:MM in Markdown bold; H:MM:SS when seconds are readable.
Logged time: **3:59**
